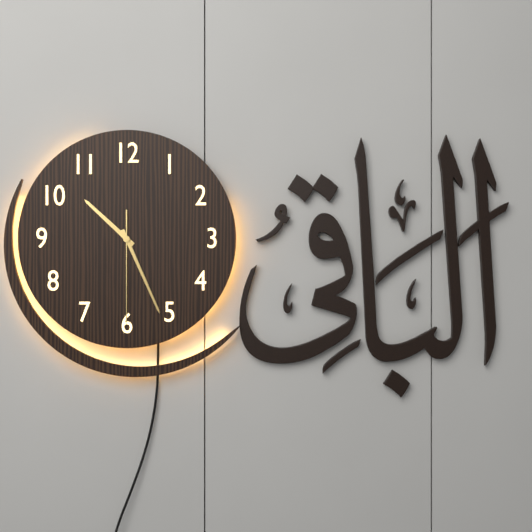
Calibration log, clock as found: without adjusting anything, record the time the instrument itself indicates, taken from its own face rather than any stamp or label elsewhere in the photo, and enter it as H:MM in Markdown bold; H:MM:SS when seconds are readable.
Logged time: **10:26:30**
